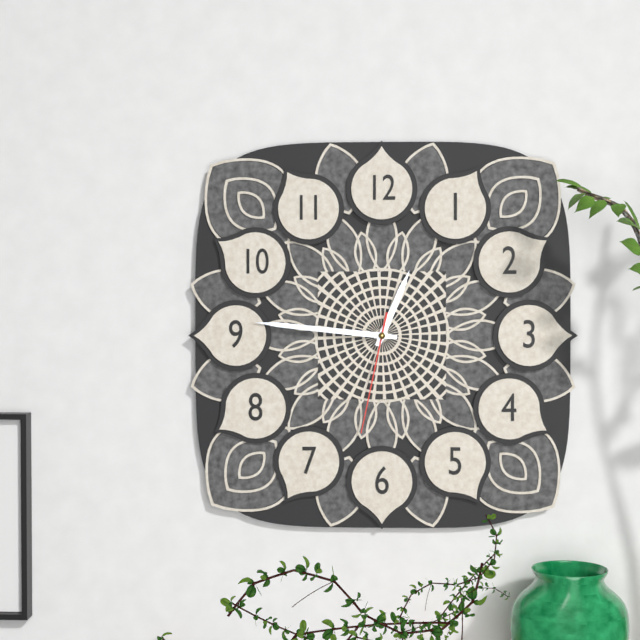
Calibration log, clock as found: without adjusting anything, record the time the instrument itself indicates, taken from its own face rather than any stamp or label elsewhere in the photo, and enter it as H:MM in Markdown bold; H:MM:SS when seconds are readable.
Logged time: **12:46:32**
